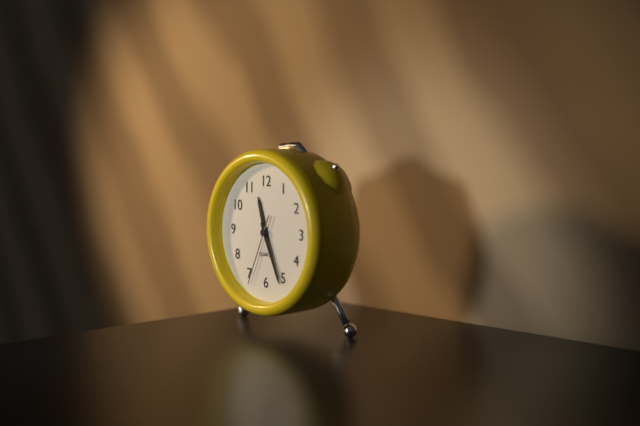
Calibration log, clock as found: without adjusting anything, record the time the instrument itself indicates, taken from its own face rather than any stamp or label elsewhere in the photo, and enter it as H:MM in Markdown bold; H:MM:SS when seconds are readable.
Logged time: **11:26:34**
